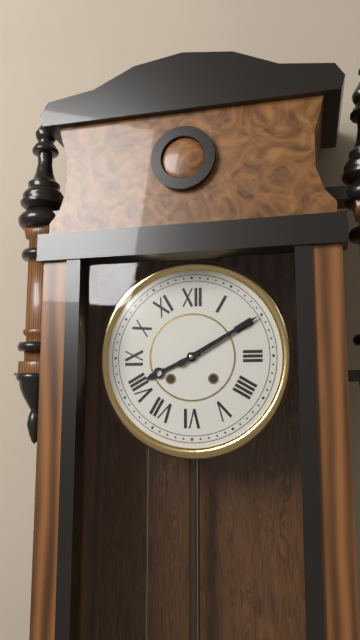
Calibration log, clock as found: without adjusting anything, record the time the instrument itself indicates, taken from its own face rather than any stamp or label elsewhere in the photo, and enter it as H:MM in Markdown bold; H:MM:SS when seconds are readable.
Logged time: **8:10**
